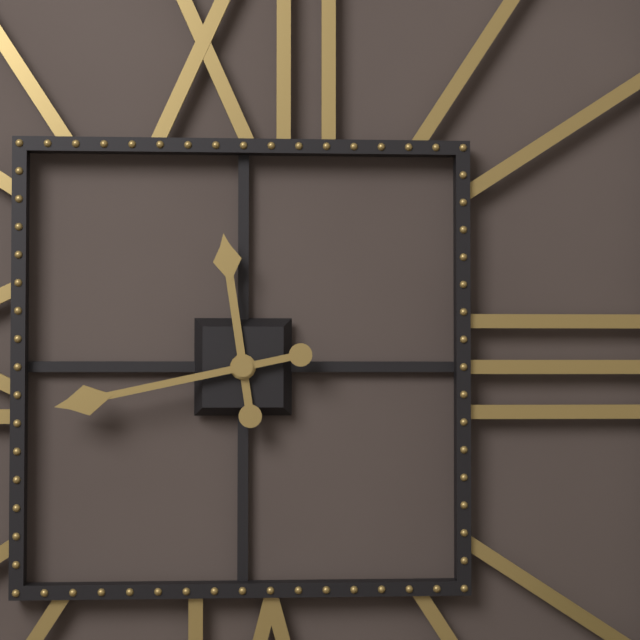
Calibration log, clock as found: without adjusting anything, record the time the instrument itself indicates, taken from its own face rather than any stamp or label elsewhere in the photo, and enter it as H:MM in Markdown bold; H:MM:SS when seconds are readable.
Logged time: **11:43**
